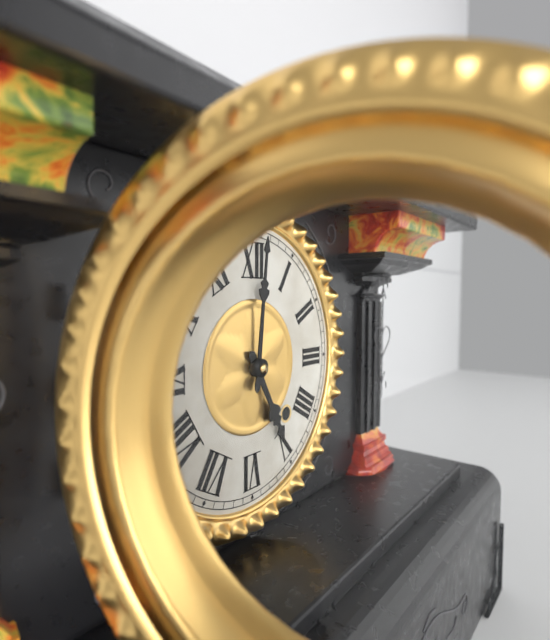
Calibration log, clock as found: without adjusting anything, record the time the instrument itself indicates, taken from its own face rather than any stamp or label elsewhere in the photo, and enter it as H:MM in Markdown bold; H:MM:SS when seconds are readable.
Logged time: **5:01**
